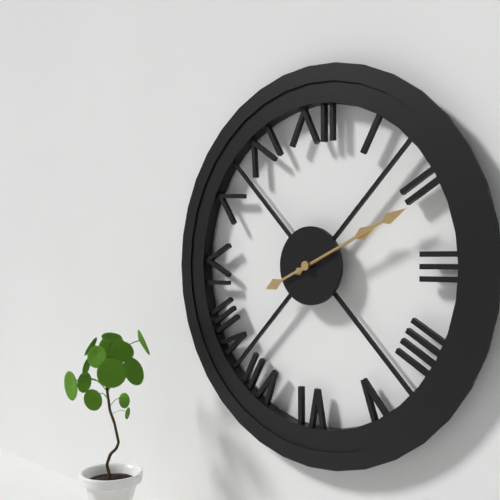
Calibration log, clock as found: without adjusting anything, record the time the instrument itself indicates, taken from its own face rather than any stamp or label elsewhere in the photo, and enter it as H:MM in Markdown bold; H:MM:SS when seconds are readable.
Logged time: **2:11**
